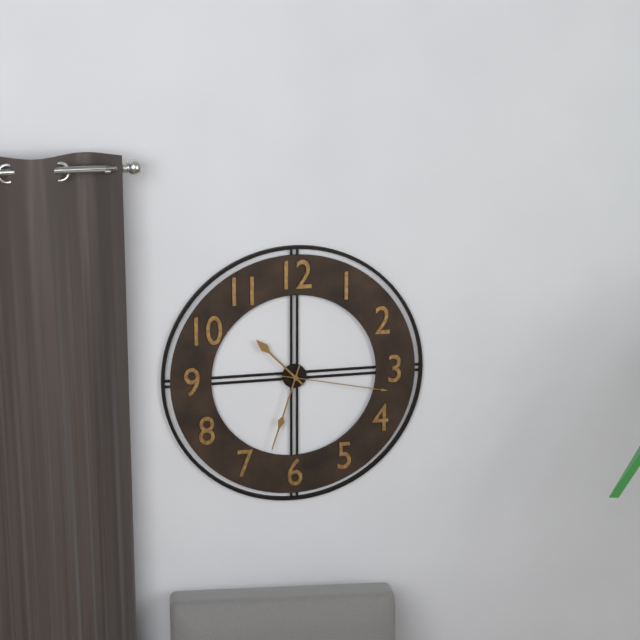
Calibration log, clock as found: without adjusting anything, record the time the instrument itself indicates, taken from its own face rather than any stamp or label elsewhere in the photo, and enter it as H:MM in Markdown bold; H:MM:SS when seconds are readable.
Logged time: **10:33:17**
